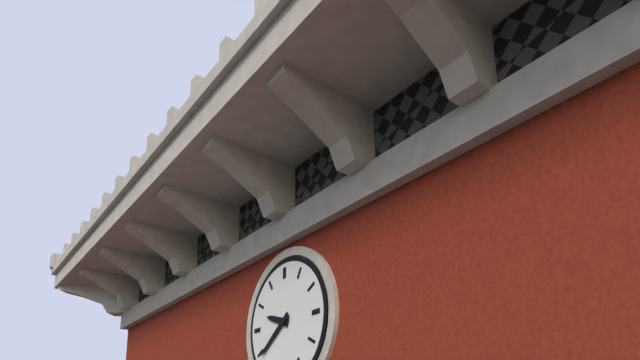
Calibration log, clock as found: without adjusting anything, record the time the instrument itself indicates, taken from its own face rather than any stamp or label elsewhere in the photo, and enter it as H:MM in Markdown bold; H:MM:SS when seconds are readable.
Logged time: **9:39**
